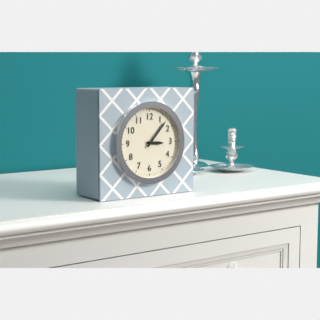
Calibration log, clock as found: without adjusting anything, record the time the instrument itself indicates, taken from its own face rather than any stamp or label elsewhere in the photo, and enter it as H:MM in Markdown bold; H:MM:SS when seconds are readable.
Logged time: **3:07**
